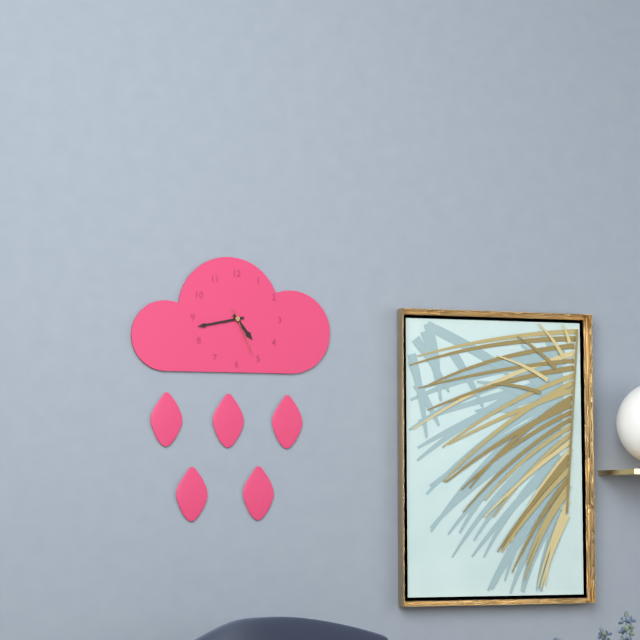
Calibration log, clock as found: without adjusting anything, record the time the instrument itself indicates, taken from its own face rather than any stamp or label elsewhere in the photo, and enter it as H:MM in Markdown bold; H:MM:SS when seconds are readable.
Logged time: **4:43**
